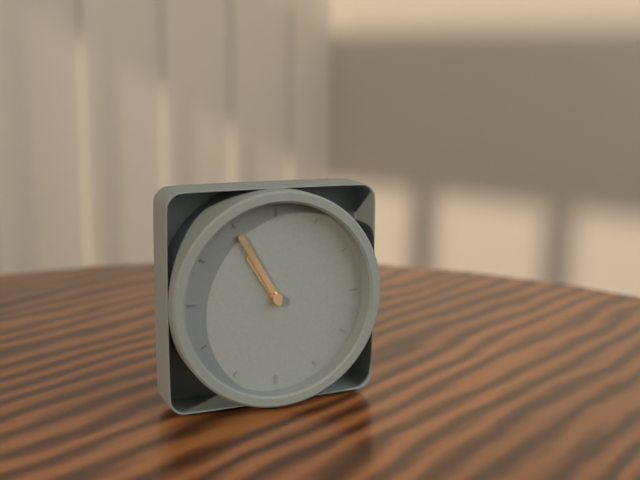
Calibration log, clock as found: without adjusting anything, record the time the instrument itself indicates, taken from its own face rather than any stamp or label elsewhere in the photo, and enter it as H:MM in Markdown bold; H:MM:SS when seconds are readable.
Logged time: **10:55**
